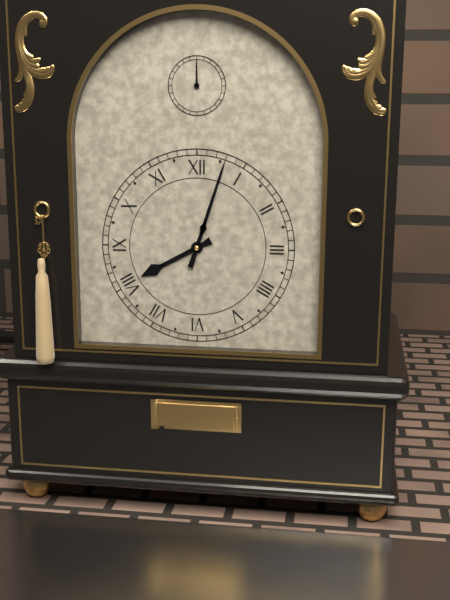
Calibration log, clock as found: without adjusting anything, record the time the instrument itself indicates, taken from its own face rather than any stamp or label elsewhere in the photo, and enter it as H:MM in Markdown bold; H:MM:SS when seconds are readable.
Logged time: **8:03**
